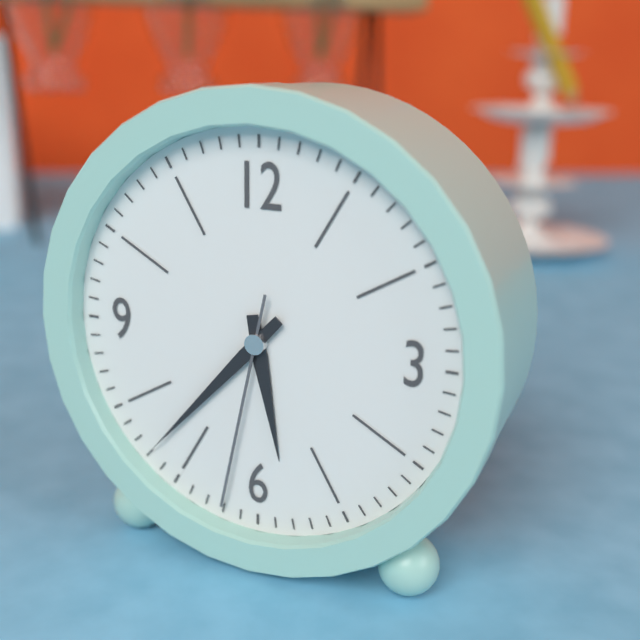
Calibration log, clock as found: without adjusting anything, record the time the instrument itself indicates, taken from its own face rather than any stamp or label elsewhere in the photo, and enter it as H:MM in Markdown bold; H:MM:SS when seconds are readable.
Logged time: **5:37:32**
